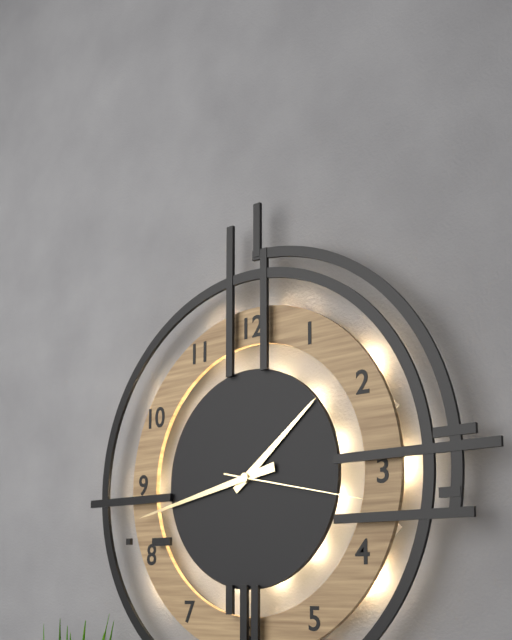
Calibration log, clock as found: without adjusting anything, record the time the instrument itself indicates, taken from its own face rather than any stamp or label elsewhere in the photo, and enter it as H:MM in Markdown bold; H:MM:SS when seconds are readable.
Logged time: **1:43:17**
